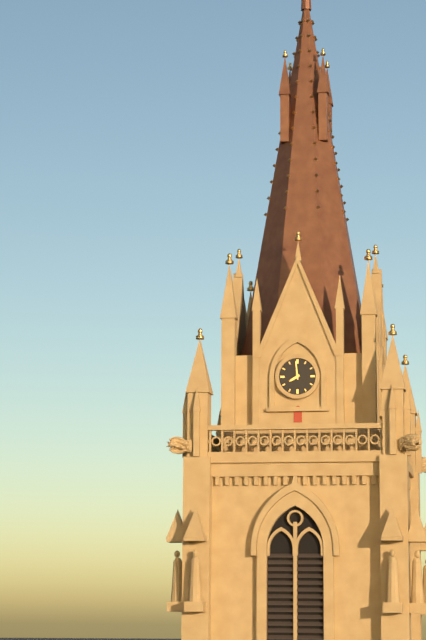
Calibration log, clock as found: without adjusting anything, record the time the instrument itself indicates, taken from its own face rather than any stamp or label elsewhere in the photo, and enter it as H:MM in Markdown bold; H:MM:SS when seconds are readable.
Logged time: **7:59**
